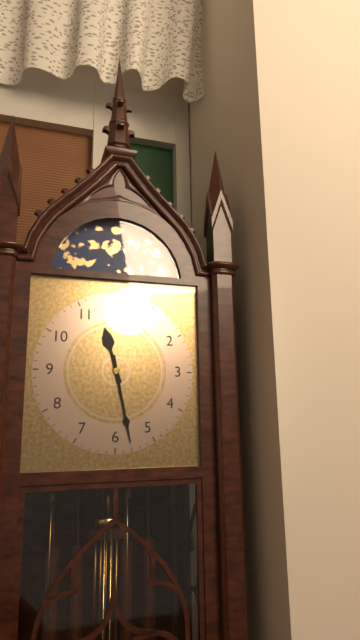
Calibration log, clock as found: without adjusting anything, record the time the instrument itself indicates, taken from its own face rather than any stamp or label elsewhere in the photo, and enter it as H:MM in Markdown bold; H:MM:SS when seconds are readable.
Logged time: **11:28**
